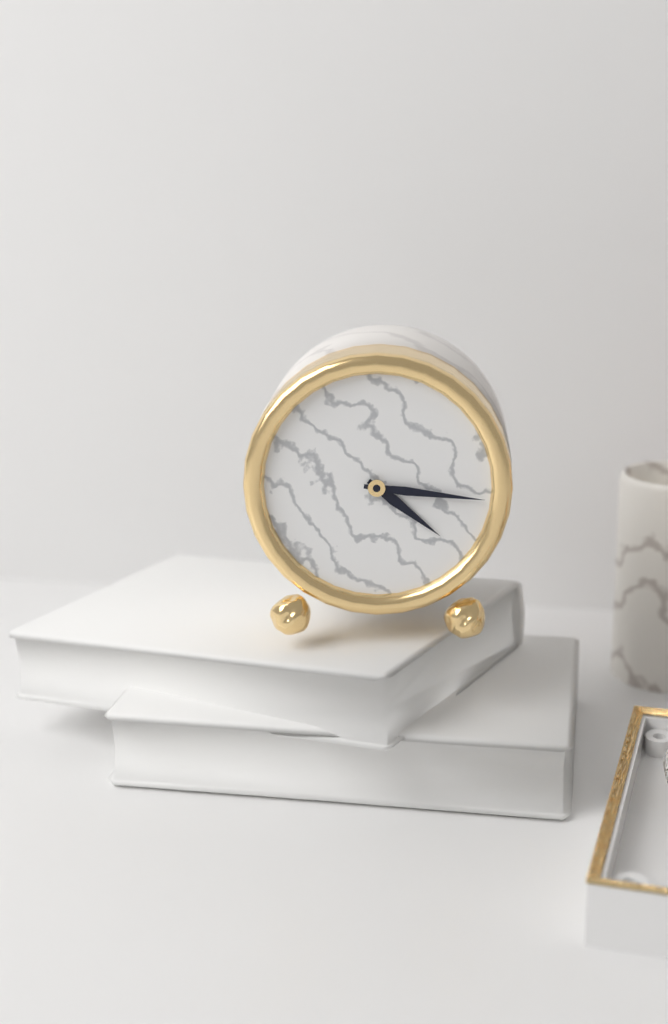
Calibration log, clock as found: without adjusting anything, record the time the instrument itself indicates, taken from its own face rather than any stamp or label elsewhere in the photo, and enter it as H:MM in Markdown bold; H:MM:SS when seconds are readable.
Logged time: **4:16**
